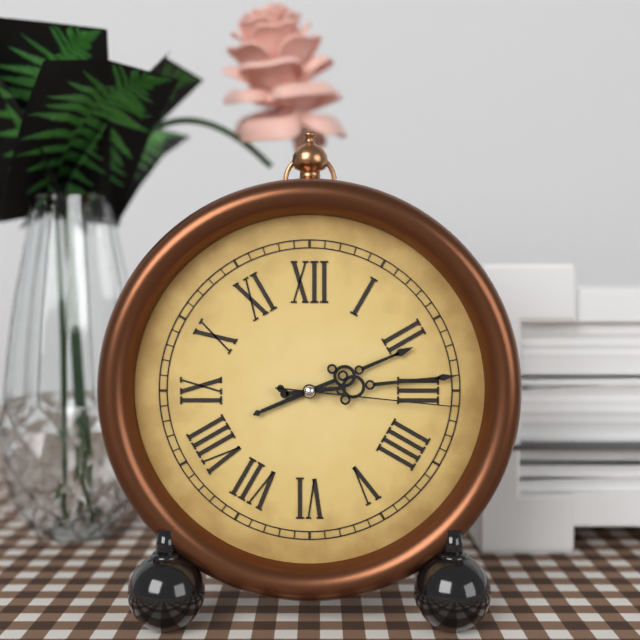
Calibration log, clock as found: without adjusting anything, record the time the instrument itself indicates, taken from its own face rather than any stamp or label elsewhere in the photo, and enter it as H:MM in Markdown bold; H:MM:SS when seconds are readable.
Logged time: **2:14:16**
